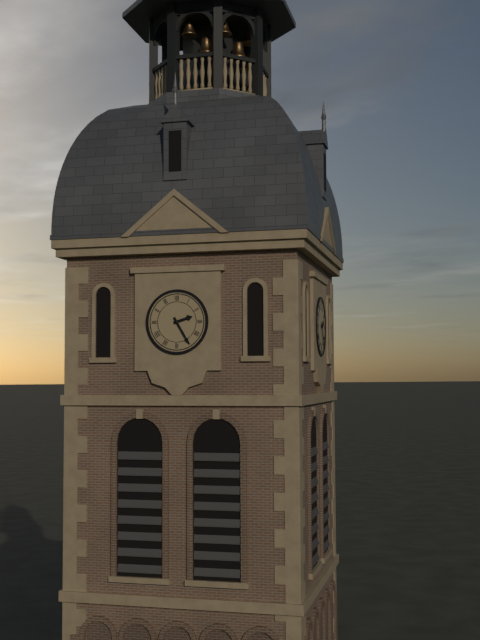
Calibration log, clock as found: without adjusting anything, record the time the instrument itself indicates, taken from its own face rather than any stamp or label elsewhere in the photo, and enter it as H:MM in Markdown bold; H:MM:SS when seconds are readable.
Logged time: **2:25**
